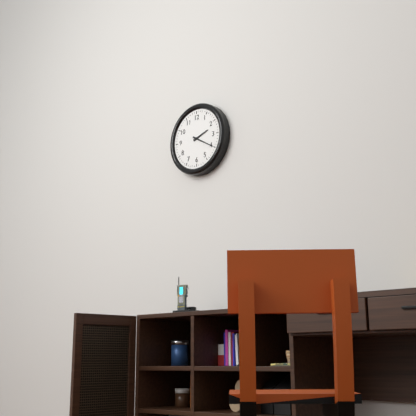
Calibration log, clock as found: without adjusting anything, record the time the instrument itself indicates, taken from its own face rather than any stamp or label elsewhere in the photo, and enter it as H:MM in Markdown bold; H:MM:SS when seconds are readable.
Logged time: **2:20**
